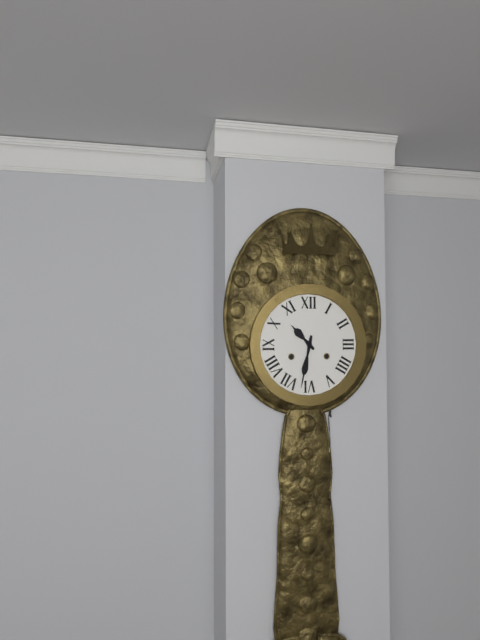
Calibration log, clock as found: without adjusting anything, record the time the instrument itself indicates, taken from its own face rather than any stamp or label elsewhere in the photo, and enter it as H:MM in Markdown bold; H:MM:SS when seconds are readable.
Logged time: **10:32**
